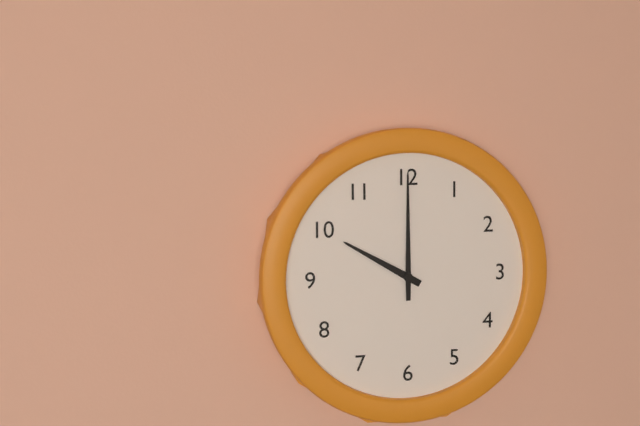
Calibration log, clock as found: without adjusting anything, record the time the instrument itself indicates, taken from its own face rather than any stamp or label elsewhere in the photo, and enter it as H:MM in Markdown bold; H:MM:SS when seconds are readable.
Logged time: **10:00**
